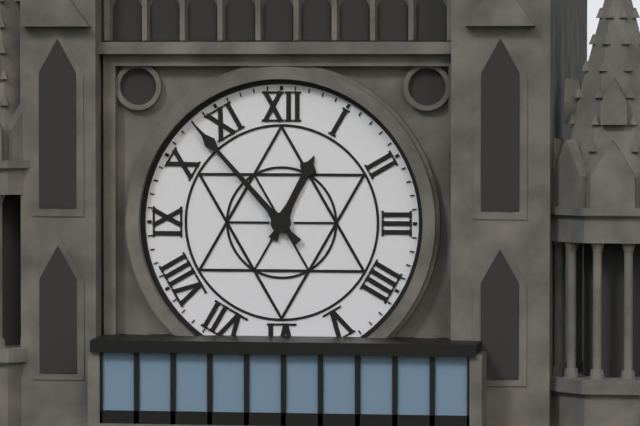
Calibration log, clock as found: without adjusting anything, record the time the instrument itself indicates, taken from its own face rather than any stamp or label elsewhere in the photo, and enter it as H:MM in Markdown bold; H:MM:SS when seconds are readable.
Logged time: **12:53**
